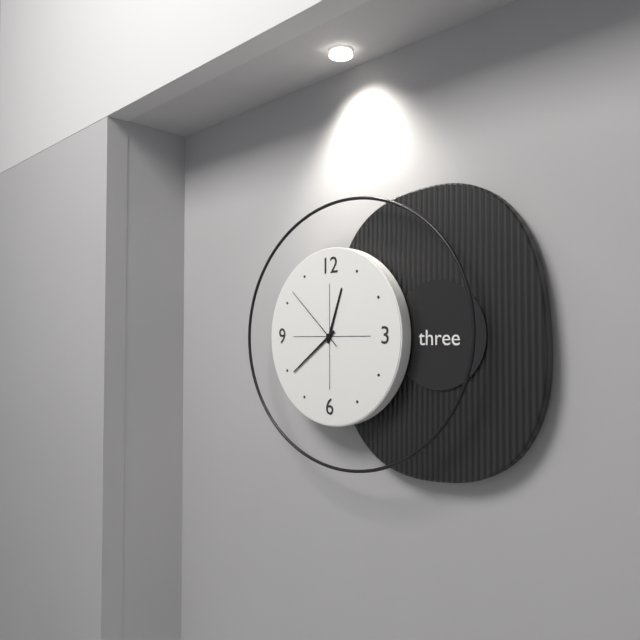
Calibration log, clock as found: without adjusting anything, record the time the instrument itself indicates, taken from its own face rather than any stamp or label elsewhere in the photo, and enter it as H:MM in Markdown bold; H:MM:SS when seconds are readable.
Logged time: **12:39:52**
